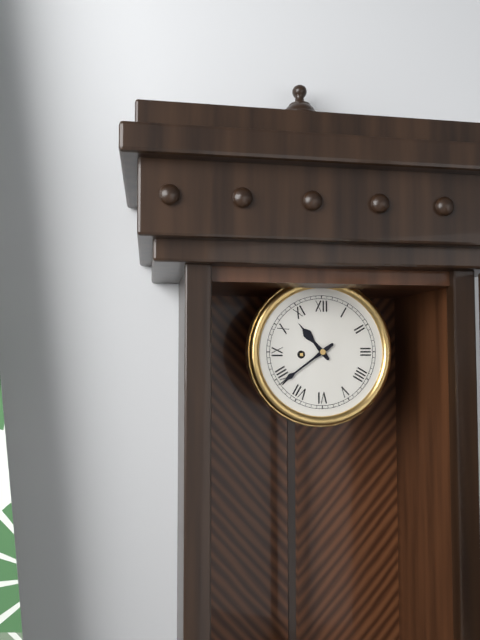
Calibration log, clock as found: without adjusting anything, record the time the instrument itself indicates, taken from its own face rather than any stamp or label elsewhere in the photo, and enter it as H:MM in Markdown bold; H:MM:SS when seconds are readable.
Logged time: **10:39**
